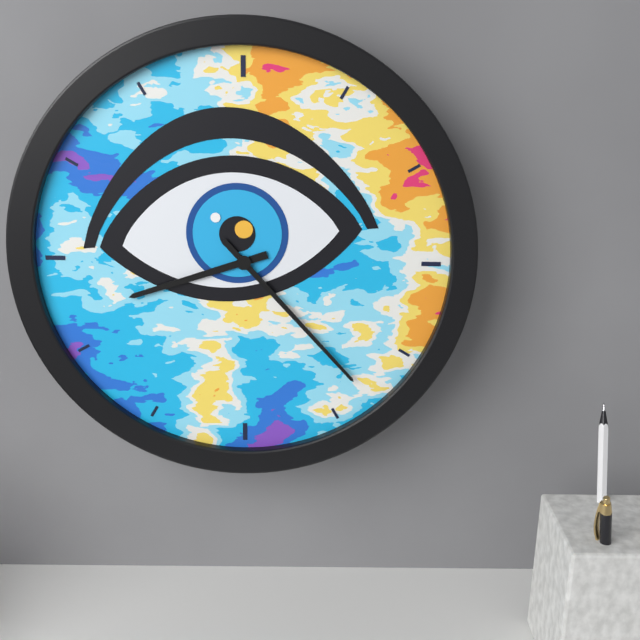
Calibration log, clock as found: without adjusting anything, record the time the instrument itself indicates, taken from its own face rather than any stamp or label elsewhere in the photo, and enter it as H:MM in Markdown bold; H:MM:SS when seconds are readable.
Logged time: **8:23**
